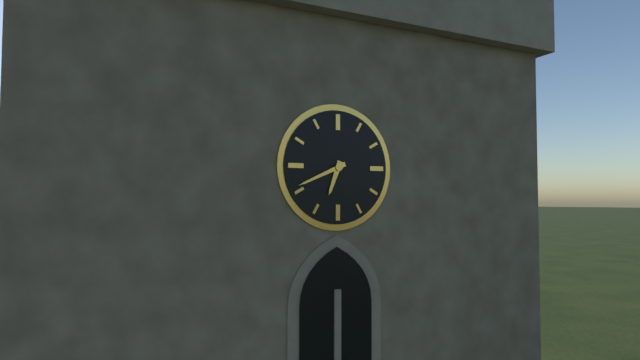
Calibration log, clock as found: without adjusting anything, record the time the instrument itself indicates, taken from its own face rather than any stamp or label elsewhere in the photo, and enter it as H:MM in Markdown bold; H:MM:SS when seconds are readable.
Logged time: **6:41**
